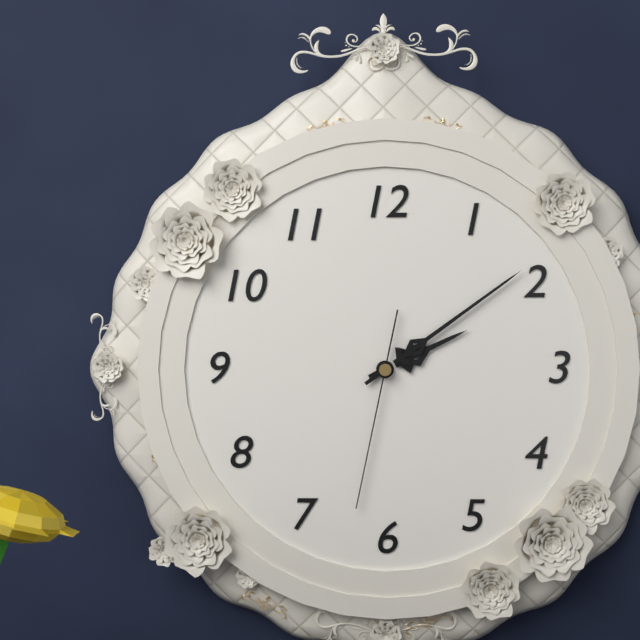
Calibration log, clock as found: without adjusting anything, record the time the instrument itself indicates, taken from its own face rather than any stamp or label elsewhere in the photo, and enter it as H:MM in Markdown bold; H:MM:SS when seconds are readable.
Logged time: **2:09:32**
